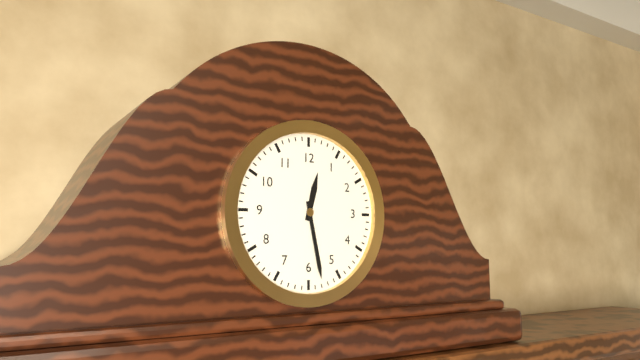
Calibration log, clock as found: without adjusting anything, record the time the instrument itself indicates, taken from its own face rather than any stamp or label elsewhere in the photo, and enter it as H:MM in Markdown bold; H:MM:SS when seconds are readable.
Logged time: **12:28**
